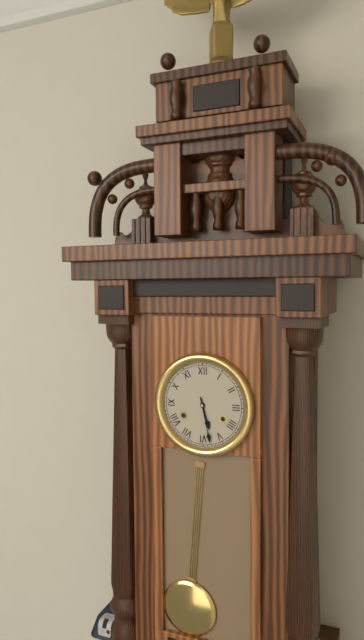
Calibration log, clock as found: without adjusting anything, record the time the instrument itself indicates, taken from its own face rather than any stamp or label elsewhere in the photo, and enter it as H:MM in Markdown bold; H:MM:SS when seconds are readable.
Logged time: **5:28**
